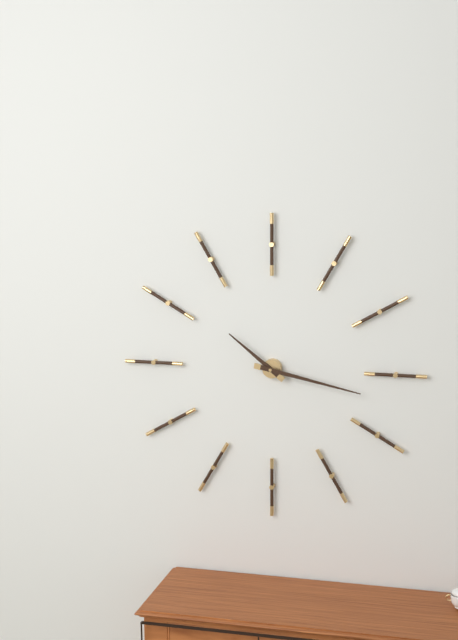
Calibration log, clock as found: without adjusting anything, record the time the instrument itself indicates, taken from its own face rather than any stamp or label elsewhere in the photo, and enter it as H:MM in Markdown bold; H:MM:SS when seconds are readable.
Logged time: **10:17**
